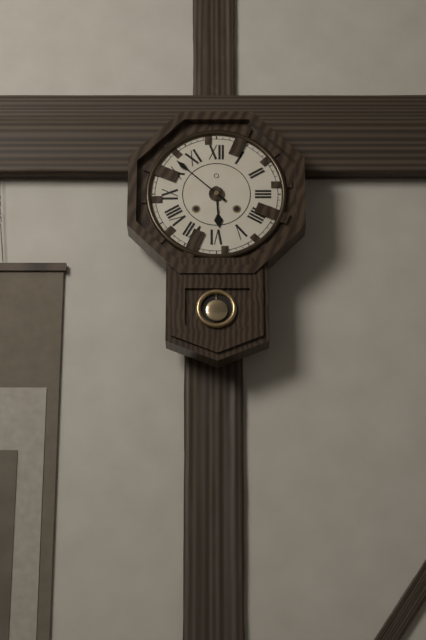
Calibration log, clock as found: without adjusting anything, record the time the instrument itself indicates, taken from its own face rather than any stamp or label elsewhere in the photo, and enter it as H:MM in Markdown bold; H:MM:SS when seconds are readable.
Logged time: **5:52**
